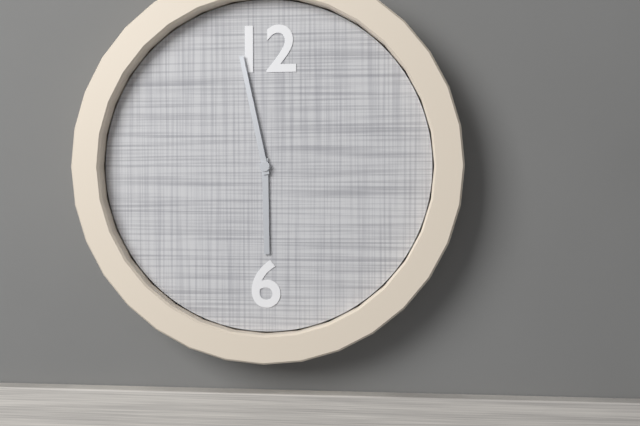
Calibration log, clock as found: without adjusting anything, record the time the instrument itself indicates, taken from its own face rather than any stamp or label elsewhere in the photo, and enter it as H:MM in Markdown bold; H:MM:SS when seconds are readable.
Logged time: **5:58**
